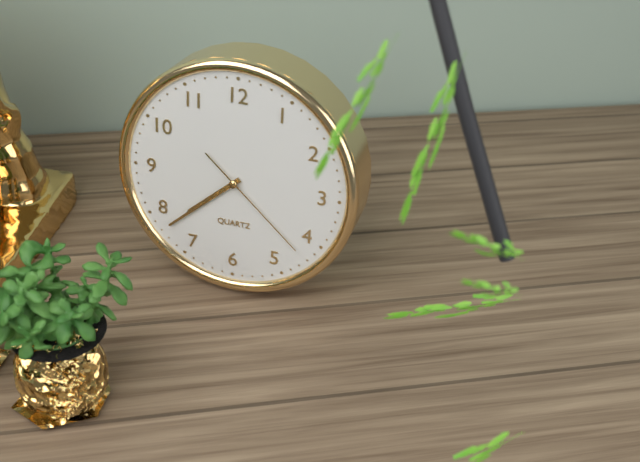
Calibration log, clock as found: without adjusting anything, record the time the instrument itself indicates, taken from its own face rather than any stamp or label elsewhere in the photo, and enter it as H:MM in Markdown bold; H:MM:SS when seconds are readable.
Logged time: **7:38:22**
